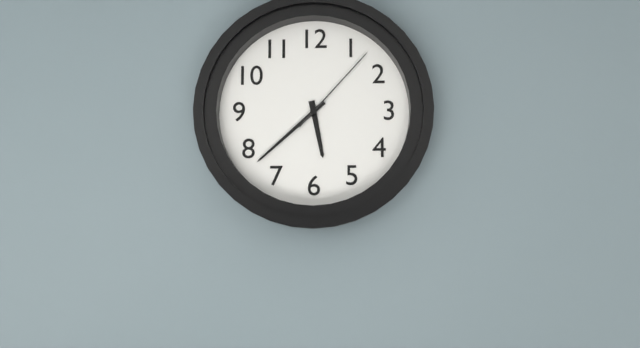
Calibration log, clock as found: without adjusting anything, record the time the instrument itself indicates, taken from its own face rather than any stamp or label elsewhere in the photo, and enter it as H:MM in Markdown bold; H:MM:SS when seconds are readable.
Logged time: **5:38:07**
